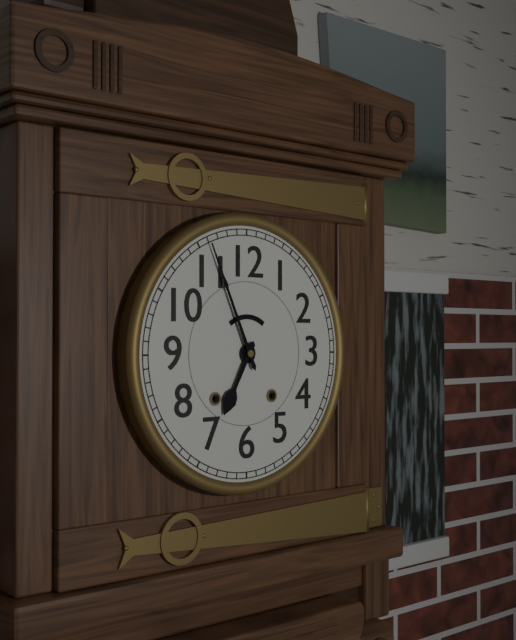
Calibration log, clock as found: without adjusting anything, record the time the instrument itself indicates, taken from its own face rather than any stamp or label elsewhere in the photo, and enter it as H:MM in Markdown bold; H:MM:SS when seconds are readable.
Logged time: **6:56**
